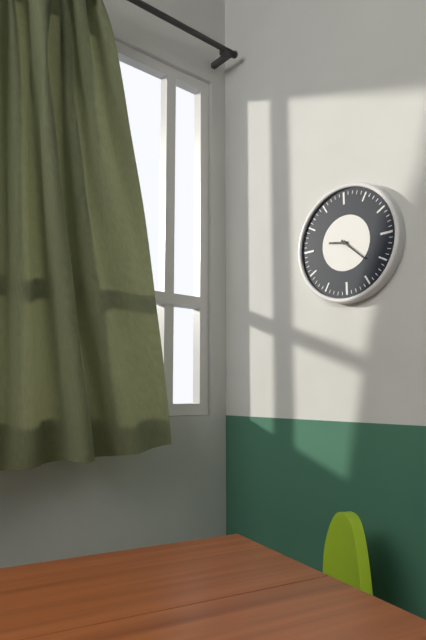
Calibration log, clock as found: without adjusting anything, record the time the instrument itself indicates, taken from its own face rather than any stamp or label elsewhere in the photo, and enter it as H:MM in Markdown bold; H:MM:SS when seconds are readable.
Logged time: **9:22**
